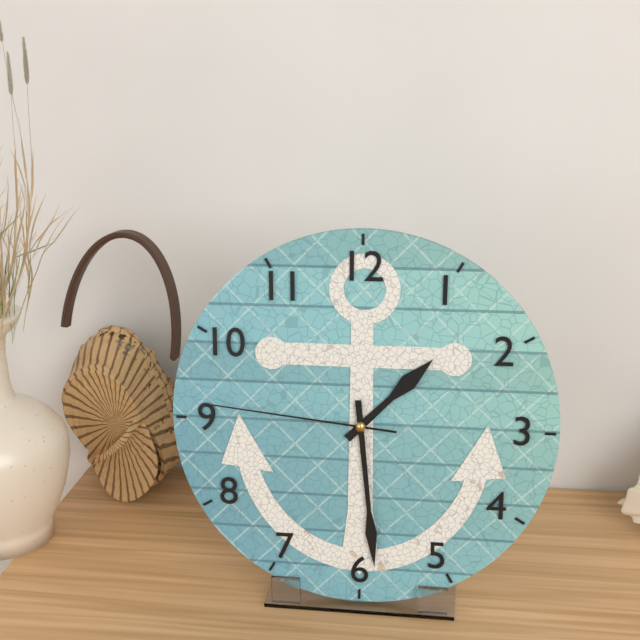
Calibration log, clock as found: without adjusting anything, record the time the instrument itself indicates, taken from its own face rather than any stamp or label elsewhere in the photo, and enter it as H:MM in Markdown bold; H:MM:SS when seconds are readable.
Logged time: **1:29:46**
